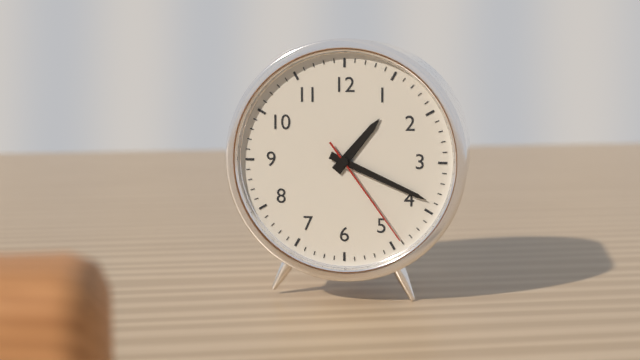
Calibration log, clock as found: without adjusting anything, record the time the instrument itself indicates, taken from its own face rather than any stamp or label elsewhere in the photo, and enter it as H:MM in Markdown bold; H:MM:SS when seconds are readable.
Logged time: **1:19:24**
